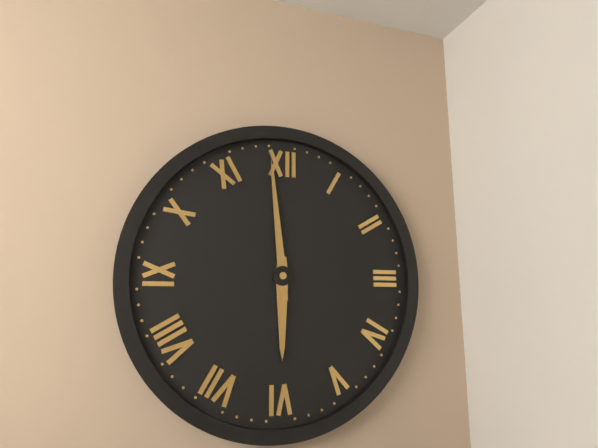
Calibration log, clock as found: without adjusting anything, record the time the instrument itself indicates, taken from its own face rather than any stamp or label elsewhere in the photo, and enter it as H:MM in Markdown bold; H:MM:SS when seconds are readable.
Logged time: **5:59**
